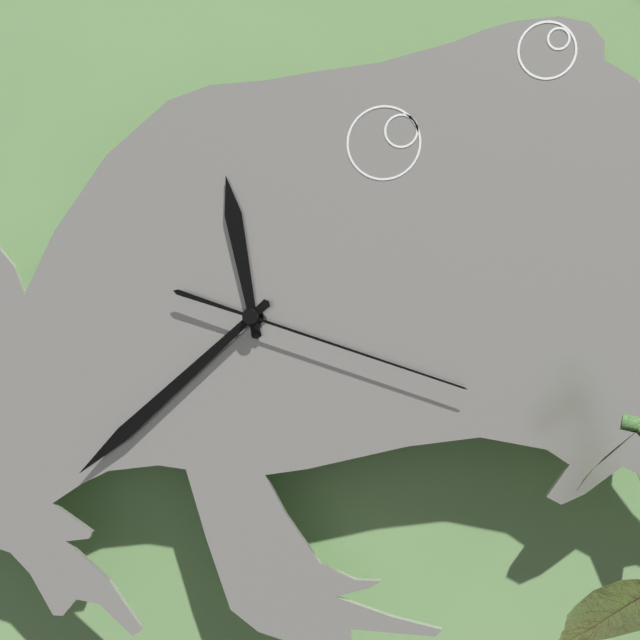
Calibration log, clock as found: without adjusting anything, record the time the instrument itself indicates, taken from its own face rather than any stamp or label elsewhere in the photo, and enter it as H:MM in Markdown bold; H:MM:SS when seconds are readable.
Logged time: **11:38:18**
